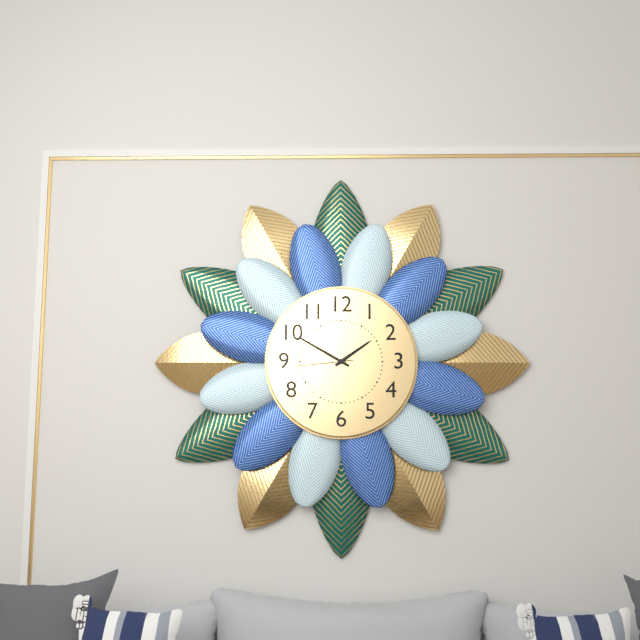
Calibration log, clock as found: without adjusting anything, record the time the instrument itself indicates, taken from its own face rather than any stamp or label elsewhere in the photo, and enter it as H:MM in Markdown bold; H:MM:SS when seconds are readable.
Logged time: **1:50:44**
